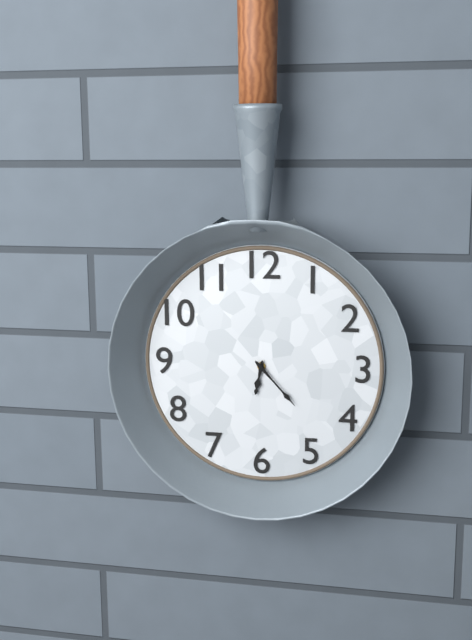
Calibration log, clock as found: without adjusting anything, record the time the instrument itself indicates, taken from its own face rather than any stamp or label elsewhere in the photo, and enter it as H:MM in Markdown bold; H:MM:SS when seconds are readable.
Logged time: **6:23**
